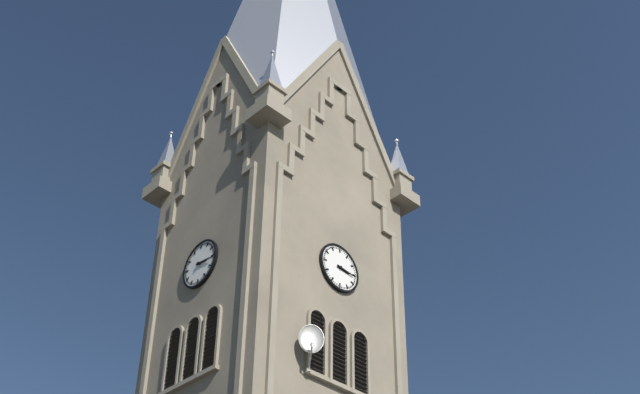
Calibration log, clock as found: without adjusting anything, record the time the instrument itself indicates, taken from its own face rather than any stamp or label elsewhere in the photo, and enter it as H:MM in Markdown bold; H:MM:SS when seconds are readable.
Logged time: **3:16**
